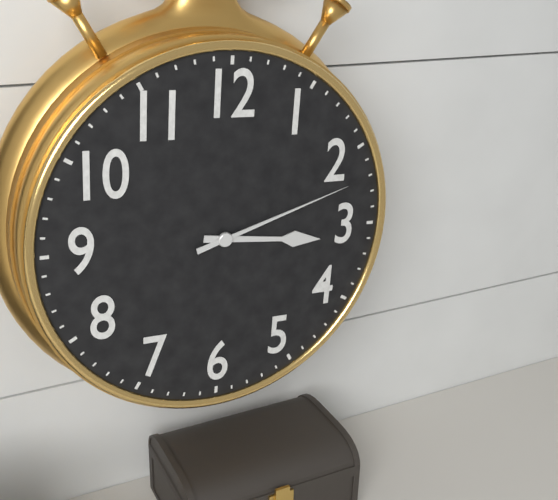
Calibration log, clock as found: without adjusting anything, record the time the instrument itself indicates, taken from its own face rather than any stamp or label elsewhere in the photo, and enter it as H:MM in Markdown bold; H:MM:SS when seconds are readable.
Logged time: **3:12**
